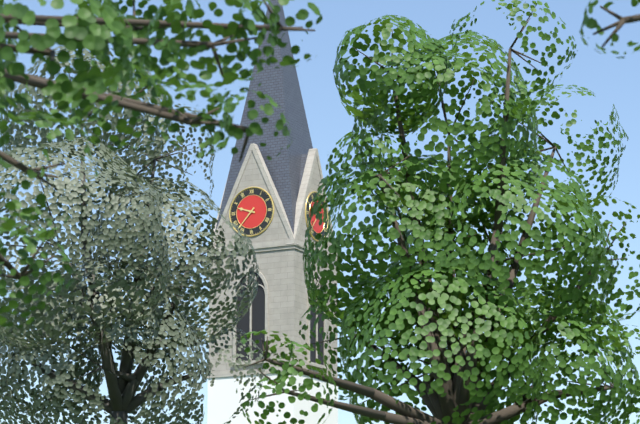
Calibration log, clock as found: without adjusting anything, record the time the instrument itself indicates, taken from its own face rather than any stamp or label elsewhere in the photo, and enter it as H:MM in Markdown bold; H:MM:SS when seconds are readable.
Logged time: **9:37**
